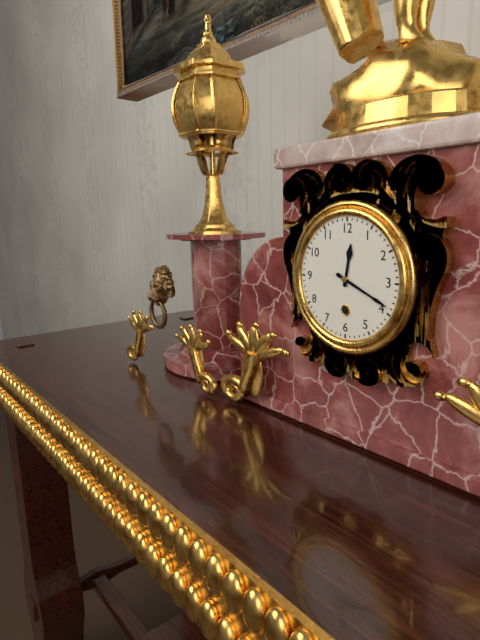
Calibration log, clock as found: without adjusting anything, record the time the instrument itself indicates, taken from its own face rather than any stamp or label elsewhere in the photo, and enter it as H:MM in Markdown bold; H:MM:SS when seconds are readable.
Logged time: **12:19**
